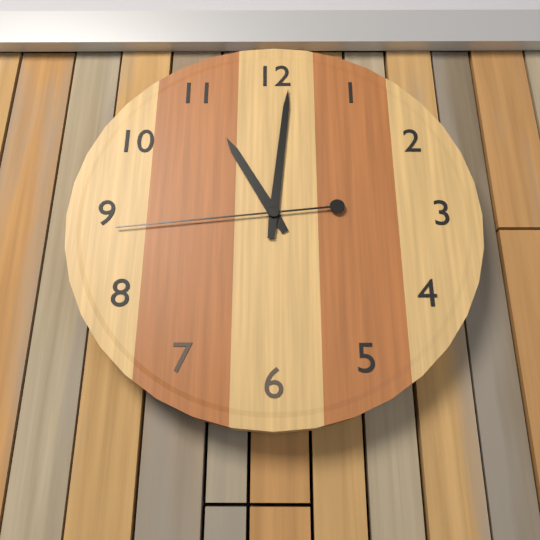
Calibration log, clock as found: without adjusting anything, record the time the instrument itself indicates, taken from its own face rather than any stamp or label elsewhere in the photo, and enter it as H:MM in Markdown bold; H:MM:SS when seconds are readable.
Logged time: **11:01:44**
